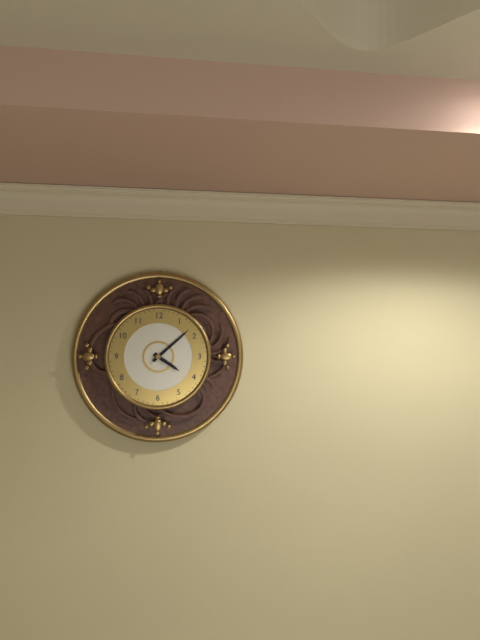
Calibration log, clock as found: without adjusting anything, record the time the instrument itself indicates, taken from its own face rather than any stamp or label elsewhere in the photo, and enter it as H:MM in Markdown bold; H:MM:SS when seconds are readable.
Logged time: **4:08**
